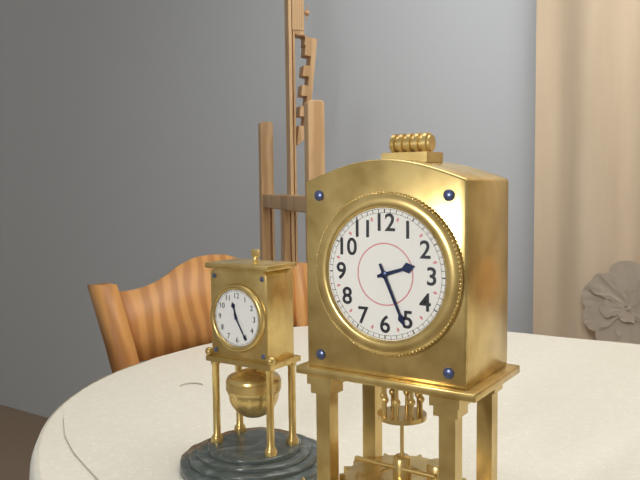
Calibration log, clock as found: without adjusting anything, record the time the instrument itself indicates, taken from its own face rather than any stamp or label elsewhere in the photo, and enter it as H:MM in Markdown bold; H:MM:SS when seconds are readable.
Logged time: **2:26**
